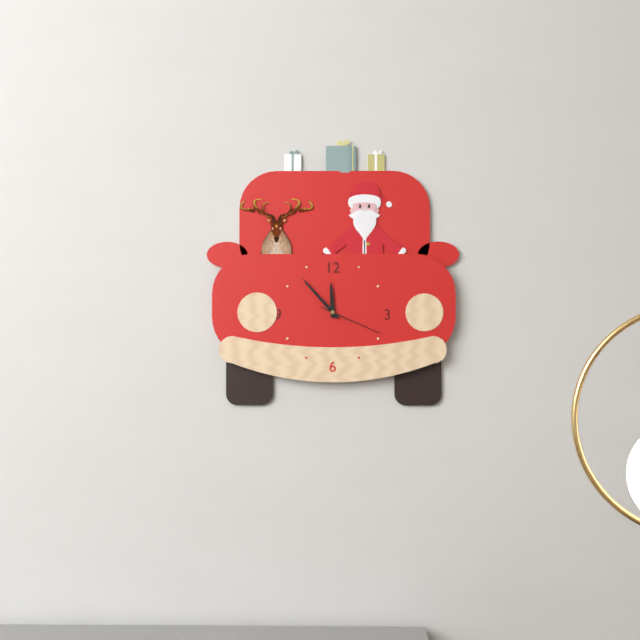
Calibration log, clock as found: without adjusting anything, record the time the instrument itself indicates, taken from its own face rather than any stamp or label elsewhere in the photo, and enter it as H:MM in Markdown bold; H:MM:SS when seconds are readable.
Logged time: **11:53:19**
